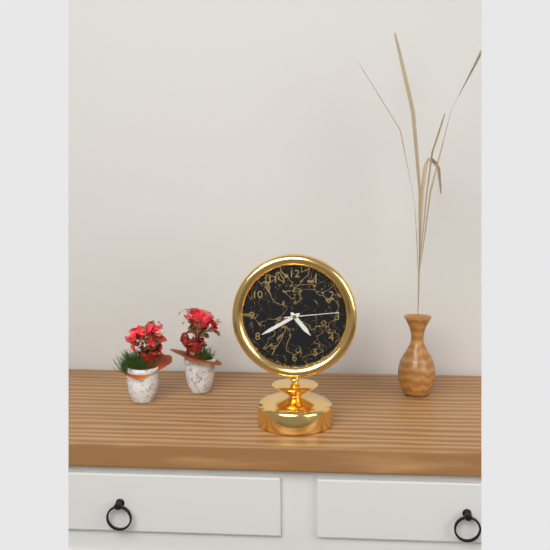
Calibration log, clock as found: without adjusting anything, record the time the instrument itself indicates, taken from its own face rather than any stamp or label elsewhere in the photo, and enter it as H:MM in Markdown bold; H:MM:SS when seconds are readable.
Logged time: **4:40:14**
